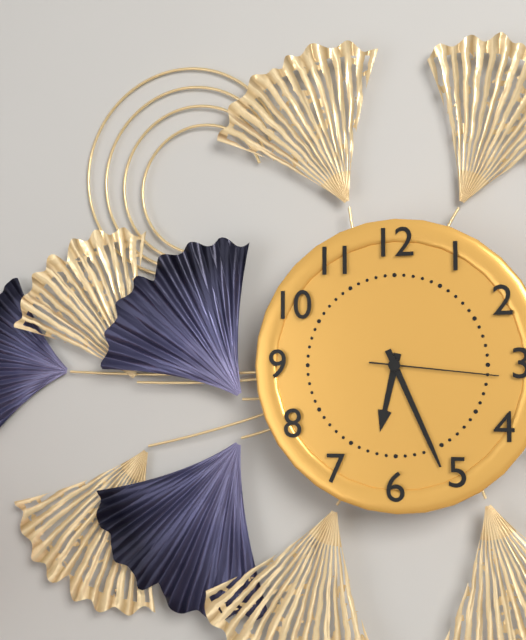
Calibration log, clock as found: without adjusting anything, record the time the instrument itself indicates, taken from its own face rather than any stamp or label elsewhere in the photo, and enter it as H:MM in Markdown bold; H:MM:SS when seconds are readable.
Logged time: **6:26:16**
